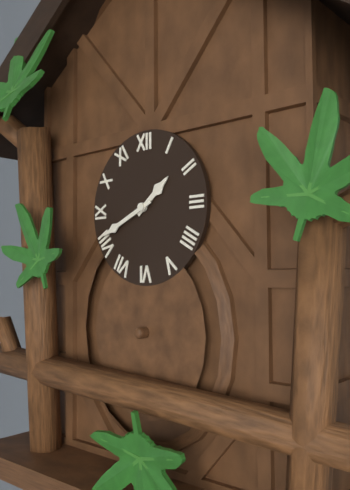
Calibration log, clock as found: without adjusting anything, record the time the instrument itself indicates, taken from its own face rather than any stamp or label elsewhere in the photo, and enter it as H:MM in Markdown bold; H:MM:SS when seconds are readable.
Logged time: **1:41**
